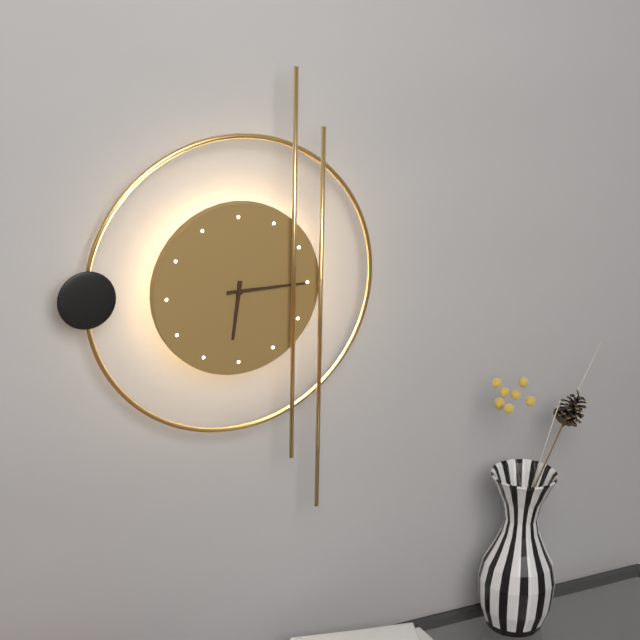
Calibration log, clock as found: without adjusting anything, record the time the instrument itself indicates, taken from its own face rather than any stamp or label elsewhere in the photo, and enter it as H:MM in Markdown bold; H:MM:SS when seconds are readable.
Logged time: **6:15**
